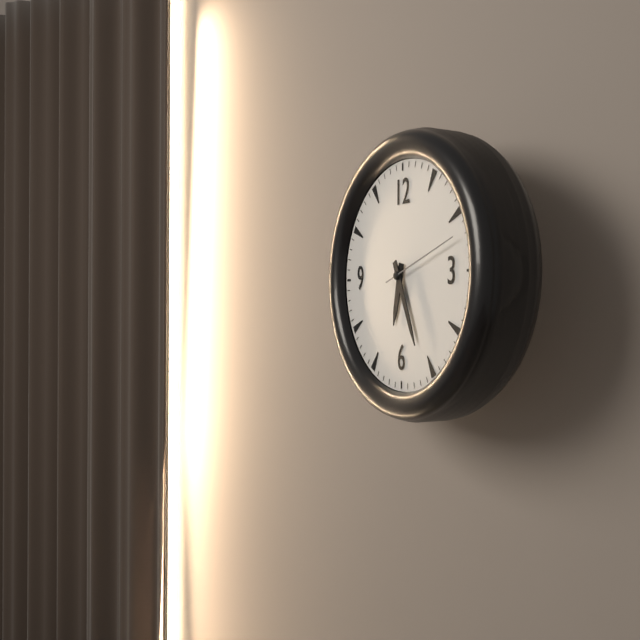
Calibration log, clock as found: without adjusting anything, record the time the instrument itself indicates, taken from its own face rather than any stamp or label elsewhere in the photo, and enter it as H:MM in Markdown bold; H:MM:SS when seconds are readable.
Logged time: **6:26:12**
